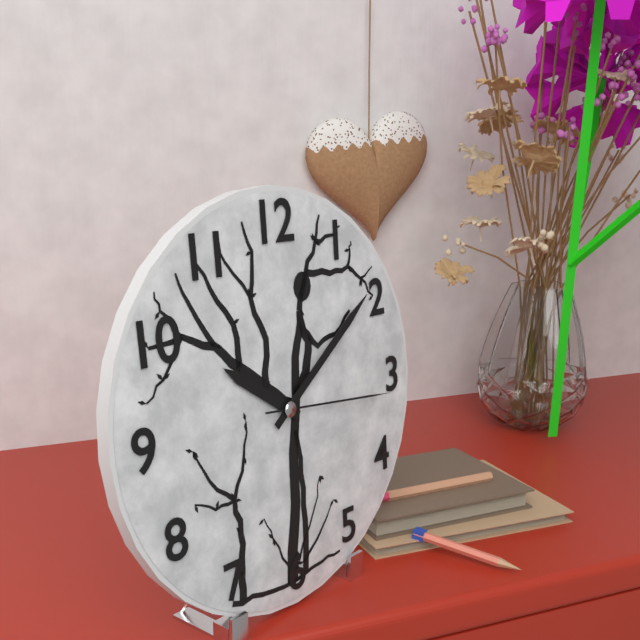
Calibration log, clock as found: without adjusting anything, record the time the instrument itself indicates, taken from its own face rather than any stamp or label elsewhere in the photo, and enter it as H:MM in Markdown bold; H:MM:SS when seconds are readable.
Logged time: **10:09:16**
